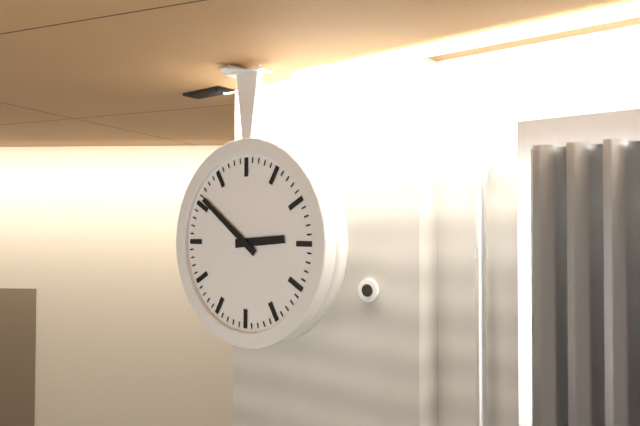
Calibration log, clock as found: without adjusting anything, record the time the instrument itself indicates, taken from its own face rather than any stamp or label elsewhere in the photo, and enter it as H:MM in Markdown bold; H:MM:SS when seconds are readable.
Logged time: **2:51**
